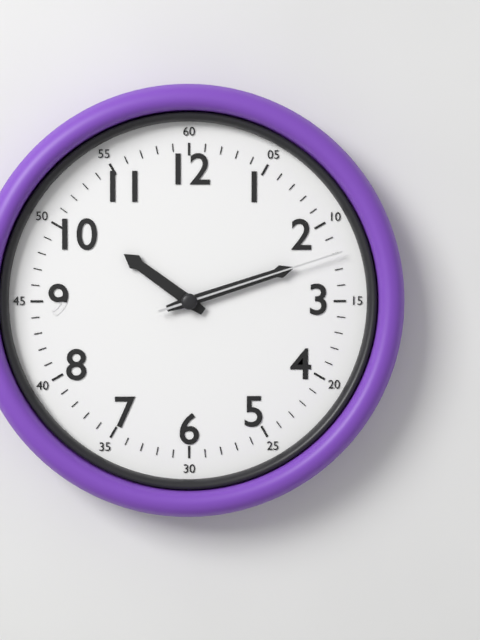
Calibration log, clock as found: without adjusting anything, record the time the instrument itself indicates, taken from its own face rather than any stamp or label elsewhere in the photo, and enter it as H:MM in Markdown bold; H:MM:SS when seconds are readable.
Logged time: **10:12:12**
